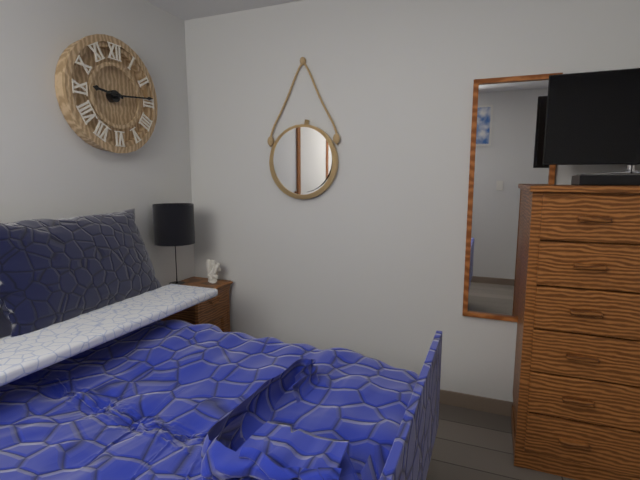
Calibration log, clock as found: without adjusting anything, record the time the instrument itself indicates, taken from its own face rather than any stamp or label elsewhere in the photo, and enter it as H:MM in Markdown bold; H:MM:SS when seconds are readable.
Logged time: **9:14**
